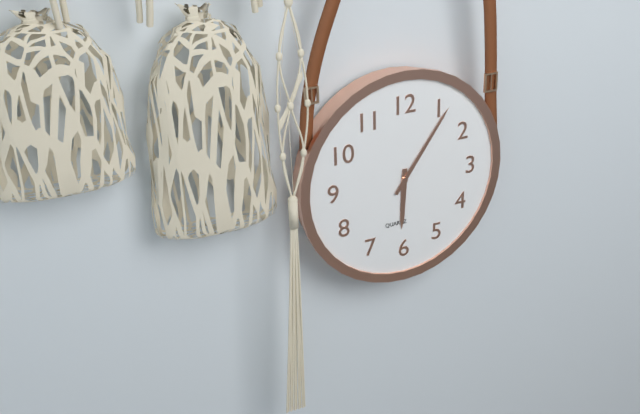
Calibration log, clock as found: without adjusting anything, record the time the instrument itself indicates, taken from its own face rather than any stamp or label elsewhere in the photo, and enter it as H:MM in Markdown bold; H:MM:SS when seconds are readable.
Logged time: **6:06**
